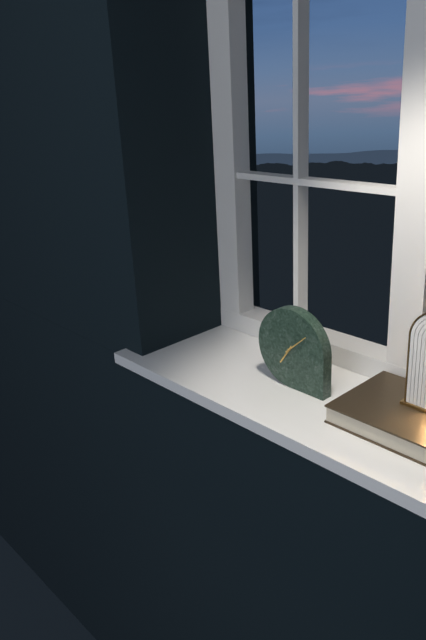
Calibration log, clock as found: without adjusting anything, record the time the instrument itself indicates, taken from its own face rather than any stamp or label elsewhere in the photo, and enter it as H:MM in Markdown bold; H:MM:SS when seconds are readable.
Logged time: **7:08**
